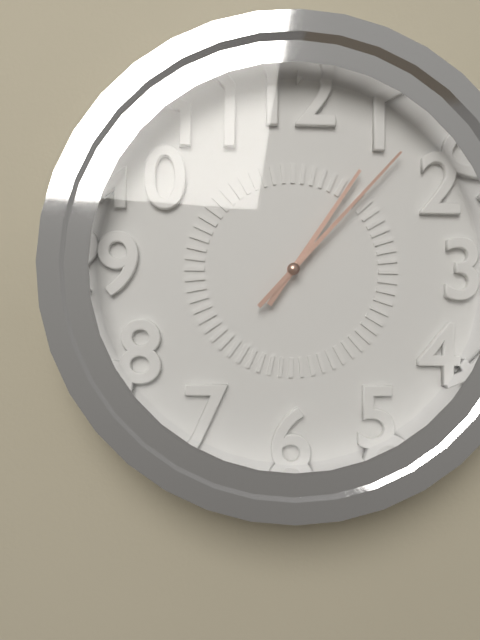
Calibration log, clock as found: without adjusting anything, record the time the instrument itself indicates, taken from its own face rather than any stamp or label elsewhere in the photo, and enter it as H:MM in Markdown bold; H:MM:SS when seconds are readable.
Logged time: **1:07**
